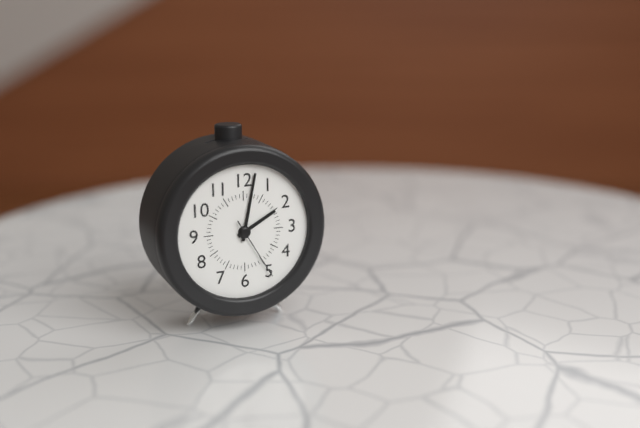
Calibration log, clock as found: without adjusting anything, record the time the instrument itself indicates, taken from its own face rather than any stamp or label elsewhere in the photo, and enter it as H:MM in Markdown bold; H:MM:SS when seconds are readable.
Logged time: **2:02:25**
